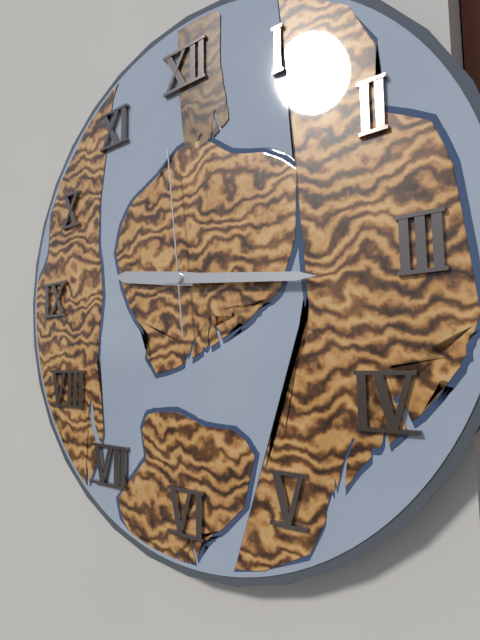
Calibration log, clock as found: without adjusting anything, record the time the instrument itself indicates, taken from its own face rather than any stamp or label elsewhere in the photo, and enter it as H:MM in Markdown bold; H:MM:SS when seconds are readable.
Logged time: **9:16:59**
